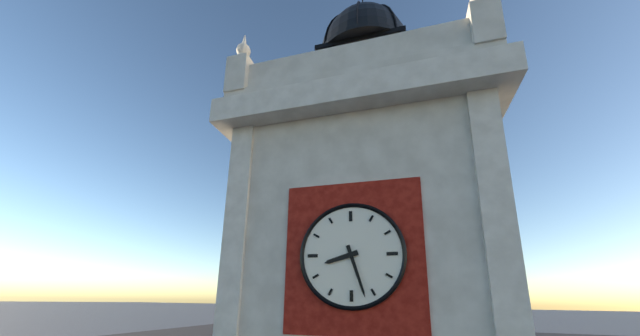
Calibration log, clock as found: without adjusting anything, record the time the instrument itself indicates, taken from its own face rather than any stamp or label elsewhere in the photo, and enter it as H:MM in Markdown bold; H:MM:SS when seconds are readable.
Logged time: **8:27**
